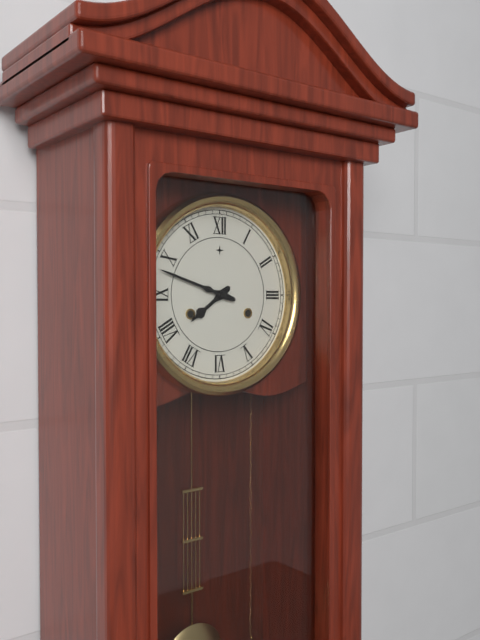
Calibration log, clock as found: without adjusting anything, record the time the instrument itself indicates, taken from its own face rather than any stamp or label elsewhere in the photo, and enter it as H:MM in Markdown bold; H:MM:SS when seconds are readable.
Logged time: **7:48**
